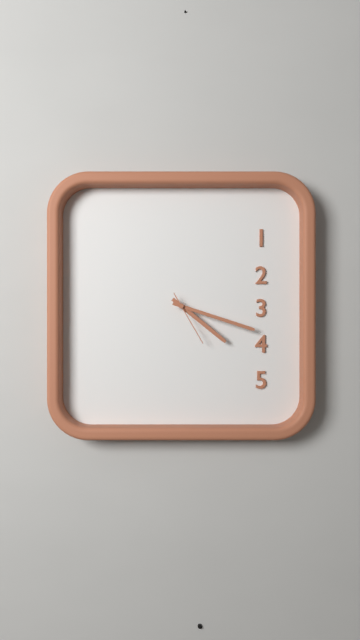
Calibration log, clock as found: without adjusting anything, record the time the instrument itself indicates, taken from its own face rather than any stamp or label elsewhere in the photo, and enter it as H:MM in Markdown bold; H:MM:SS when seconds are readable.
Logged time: **4:18:25**
